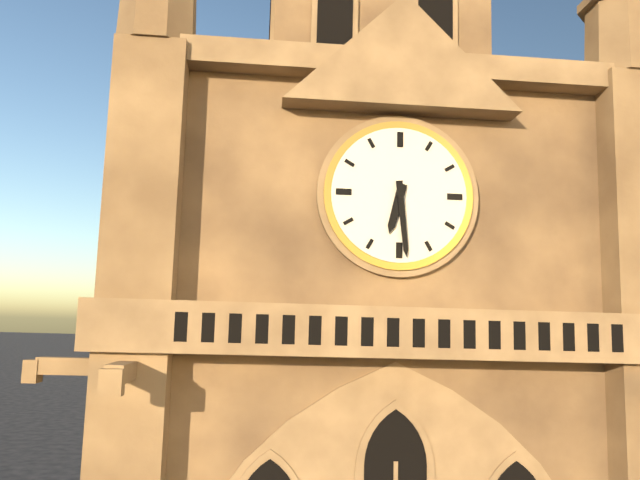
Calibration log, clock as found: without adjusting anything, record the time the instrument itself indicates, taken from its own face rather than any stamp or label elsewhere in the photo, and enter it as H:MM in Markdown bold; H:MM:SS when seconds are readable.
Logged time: **6:29**
